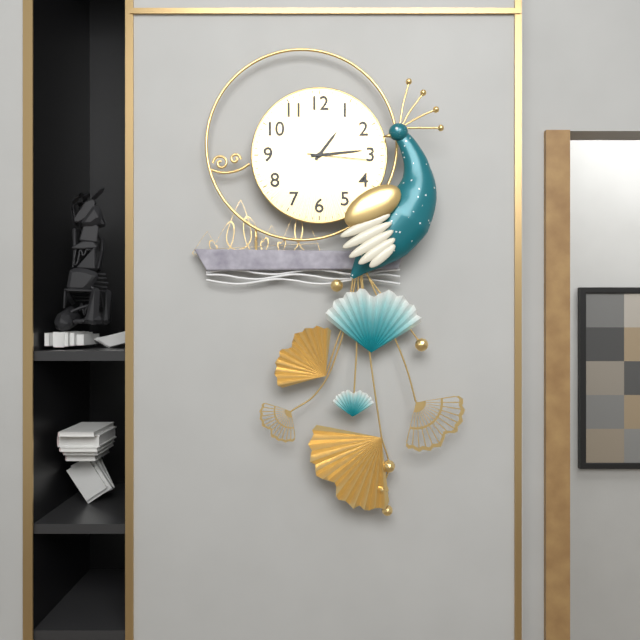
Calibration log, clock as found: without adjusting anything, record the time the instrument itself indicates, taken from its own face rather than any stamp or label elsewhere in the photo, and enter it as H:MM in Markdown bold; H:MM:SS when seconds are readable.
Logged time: **1:14:16**
